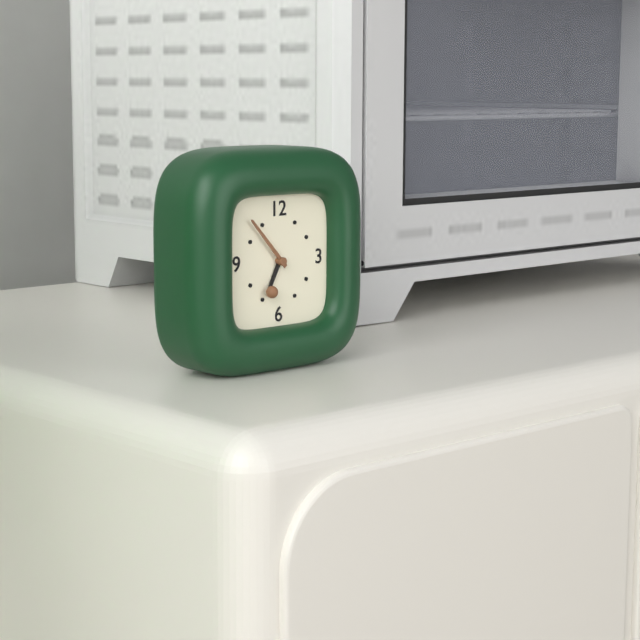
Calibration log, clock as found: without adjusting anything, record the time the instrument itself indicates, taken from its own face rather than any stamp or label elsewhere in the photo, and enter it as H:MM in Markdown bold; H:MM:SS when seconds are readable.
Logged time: **6:53**
